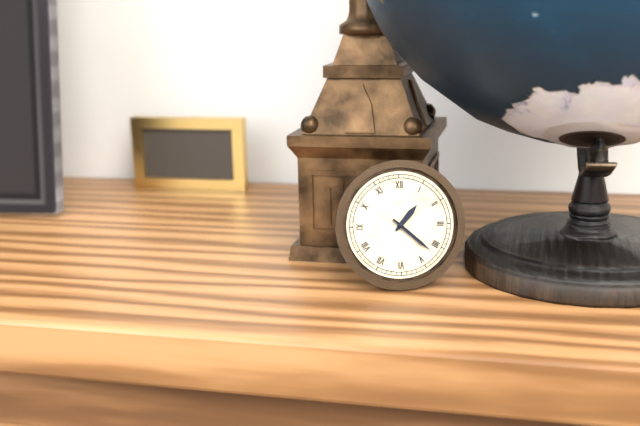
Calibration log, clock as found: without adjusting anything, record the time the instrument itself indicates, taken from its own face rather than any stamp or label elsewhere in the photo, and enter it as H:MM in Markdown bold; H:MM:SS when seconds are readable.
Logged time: **1:22**
